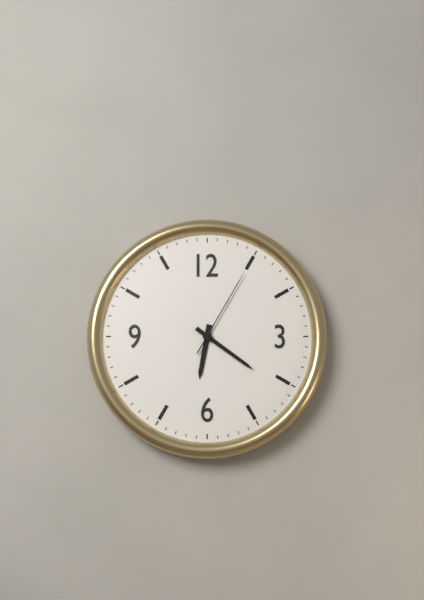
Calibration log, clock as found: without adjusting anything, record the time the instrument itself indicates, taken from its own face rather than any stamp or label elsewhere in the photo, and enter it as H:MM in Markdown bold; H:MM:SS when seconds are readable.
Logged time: **6:21:05**
